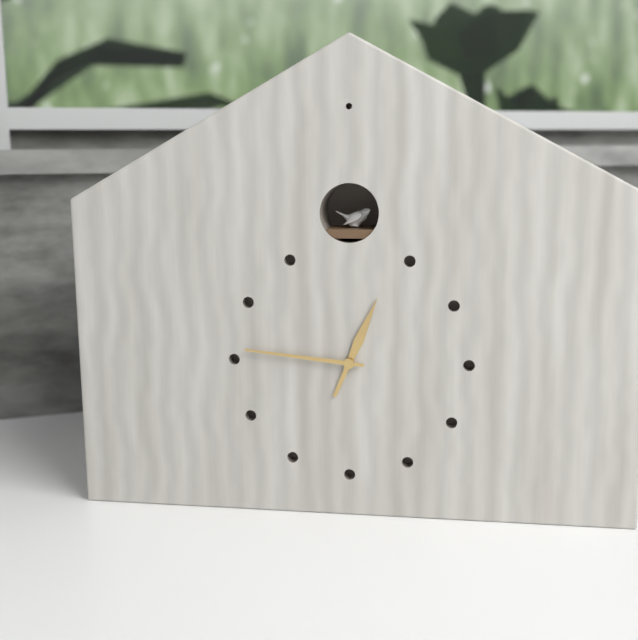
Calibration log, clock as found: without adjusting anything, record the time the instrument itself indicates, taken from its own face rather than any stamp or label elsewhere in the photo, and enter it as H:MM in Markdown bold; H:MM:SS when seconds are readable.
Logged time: **12:46**
